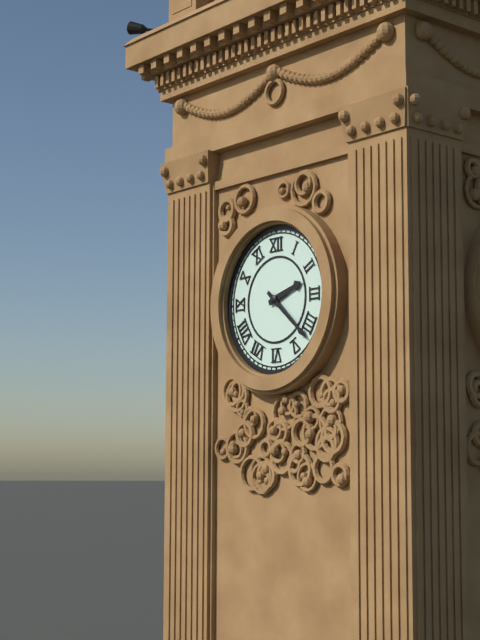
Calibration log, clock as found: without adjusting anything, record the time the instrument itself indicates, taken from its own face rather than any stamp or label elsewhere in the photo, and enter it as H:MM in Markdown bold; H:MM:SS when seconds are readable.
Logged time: **2:22**
